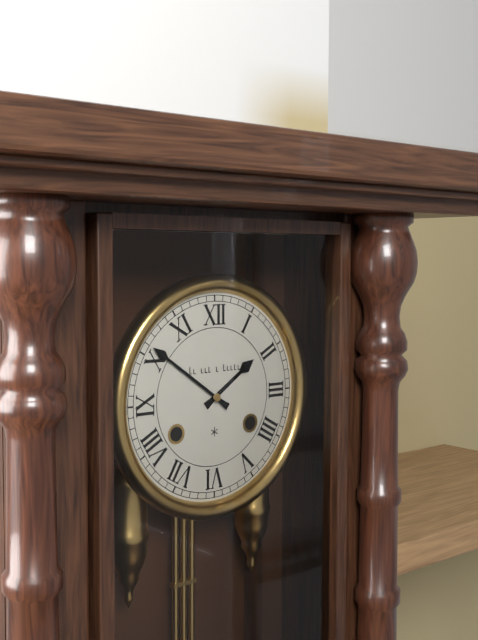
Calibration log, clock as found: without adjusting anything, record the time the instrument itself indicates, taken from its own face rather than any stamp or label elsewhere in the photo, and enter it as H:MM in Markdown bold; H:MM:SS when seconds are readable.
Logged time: **1:51**
